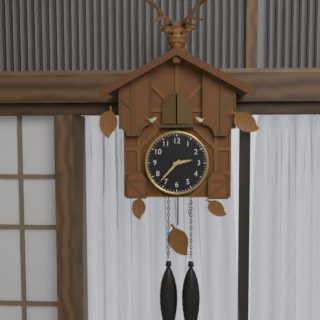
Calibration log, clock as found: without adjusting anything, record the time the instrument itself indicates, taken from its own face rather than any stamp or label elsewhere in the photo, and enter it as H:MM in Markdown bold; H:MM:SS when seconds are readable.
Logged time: **2:37**
